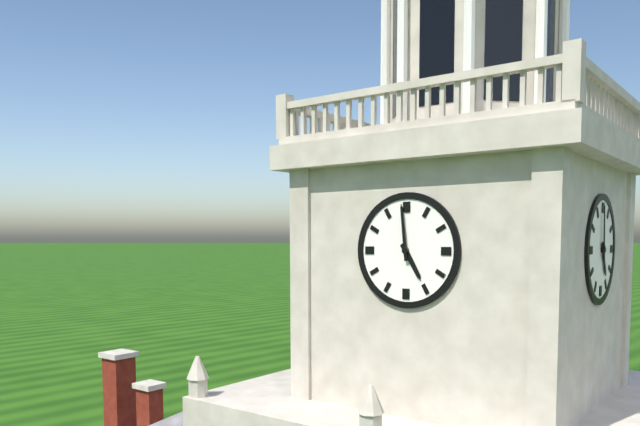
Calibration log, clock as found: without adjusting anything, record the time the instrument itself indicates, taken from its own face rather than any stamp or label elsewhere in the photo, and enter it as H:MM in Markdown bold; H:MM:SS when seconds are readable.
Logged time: **4:59**
